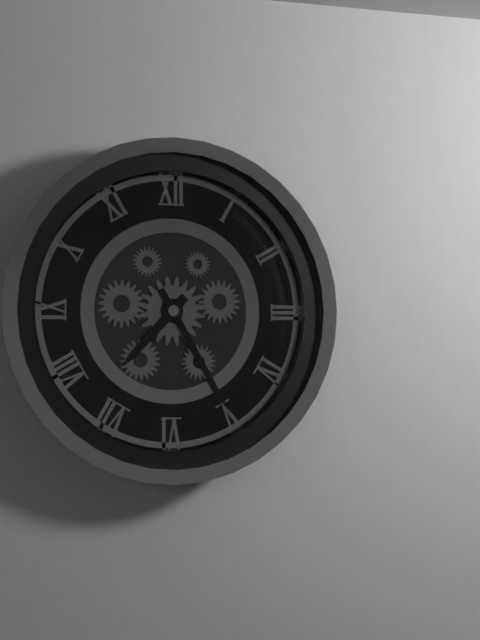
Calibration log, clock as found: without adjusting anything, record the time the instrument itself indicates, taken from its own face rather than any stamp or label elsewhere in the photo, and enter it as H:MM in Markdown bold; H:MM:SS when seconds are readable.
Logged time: **7:25**
